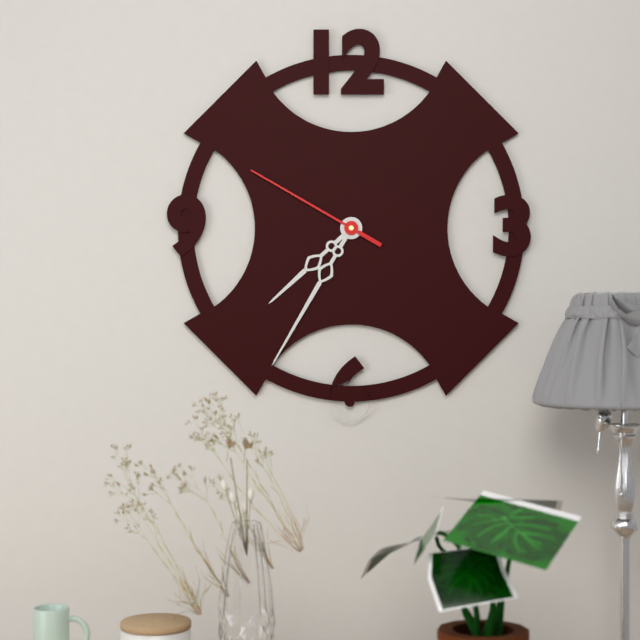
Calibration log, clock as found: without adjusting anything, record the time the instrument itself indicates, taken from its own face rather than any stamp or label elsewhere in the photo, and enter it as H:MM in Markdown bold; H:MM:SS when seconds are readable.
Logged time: **7:35:50**
